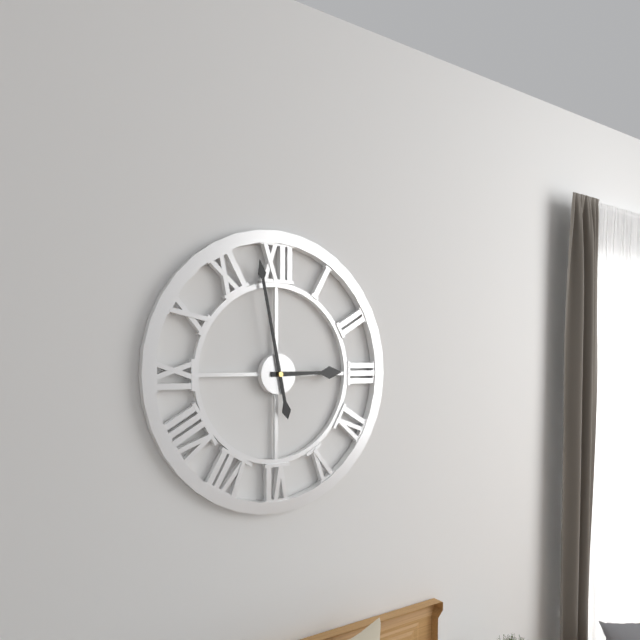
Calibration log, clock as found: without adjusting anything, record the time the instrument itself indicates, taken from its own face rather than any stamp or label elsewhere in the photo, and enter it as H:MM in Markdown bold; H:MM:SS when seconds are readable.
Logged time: **2:58**
